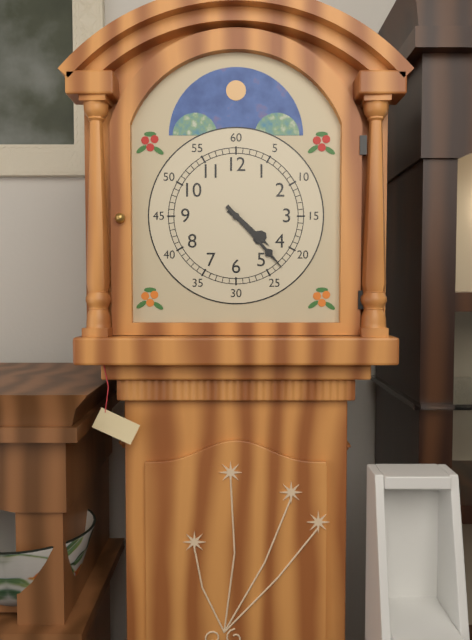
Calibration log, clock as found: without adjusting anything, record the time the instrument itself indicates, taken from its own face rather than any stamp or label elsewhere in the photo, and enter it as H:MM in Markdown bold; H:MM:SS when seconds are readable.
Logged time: **4:23**
